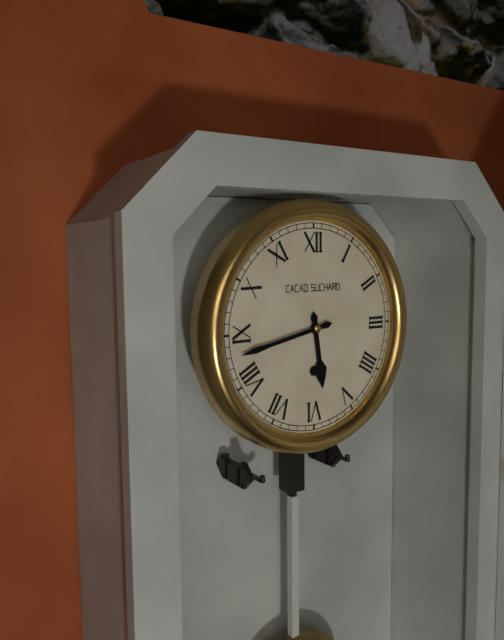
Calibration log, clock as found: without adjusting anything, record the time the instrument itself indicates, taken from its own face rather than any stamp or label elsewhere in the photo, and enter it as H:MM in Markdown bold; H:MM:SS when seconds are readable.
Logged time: **5:43**
